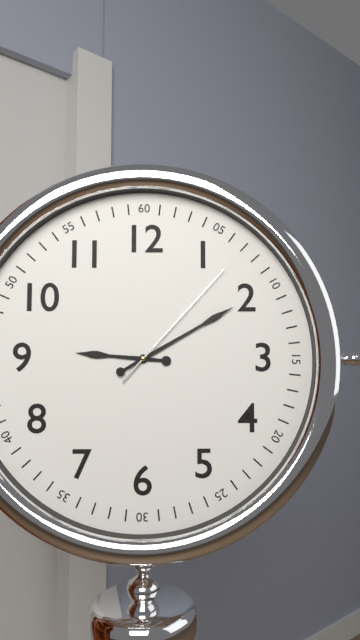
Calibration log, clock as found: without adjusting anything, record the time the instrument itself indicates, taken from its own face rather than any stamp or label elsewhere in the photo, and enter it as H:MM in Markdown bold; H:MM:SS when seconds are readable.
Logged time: **9:10:07**
